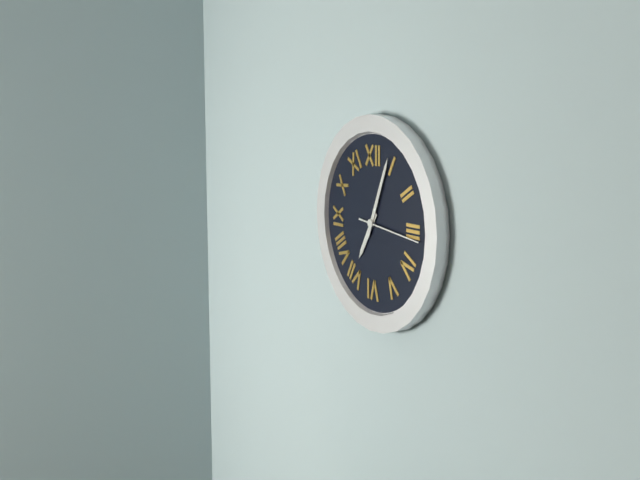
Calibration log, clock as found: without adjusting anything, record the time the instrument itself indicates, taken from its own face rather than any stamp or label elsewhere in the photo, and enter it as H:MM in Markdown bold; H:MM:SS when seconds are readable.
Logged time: **7:04:16**
